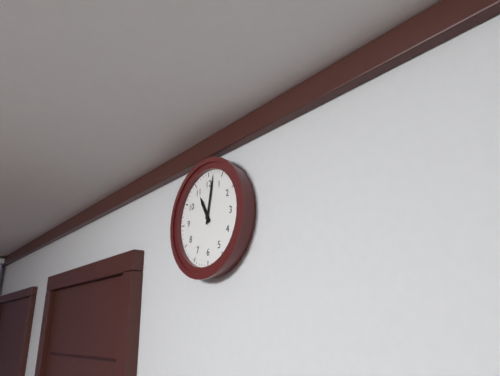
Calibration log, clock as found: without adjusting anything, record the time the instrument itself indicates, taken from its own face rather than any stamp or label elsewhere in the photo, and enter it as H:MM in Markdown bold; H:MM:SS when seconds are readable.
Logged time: **11:02**
